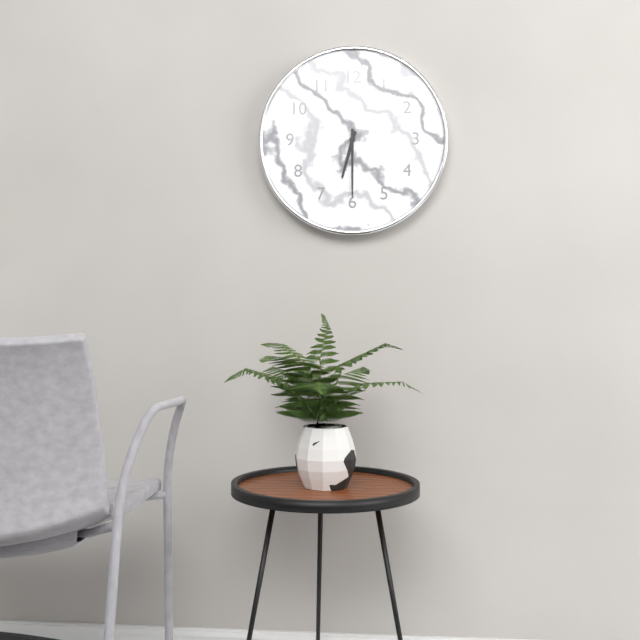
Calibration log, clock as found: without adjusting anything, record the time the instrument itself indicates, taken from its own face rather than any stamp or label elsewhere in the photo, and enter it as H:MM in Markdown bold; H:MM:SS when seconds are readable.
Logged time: **6:30**
